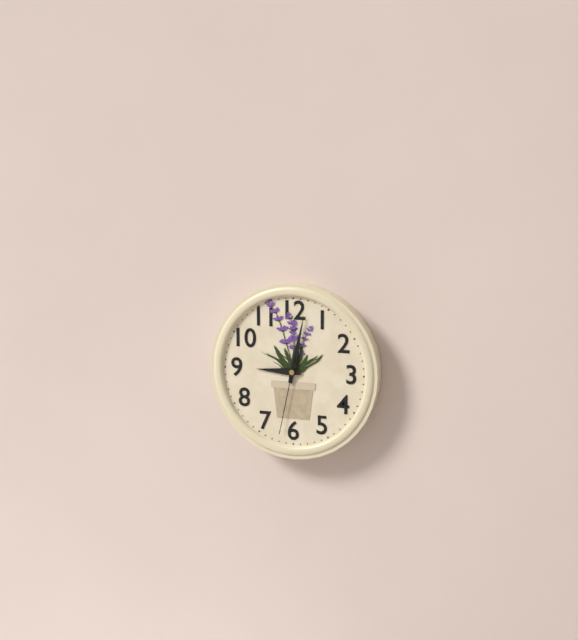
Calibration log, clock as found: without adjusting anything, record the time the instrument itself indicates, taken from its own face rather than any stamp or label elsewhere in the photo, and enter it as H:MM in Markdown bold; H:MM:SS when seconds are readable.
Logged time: **9:02:32**
